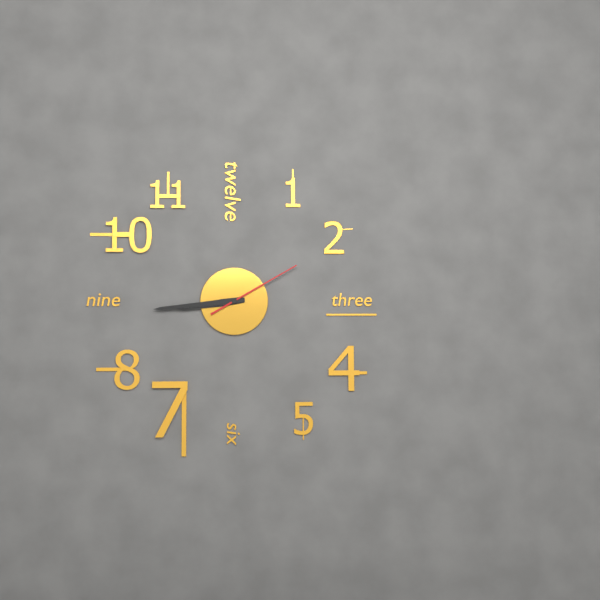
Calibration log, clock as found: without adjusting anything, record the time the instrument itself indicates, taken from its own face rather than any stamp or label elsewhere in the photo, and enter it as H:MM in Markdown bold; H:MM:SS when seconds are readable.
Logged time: **8:44:10**
